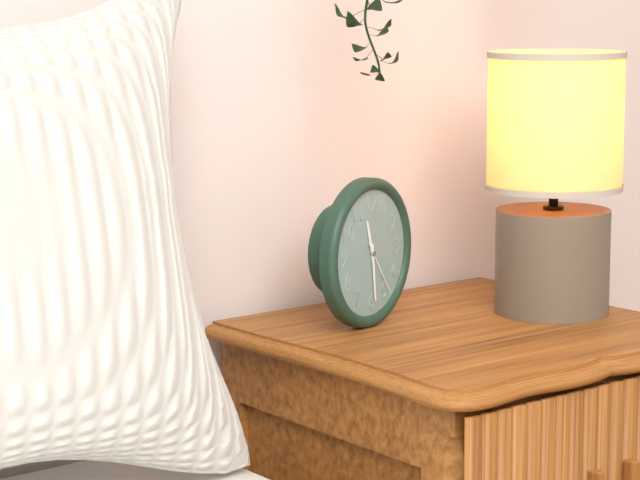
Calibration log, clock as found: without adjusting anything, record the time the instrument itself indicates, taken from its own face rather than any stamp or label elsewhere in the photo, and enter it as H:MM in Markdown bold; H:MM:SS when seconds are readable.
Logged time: **11:29:24**
